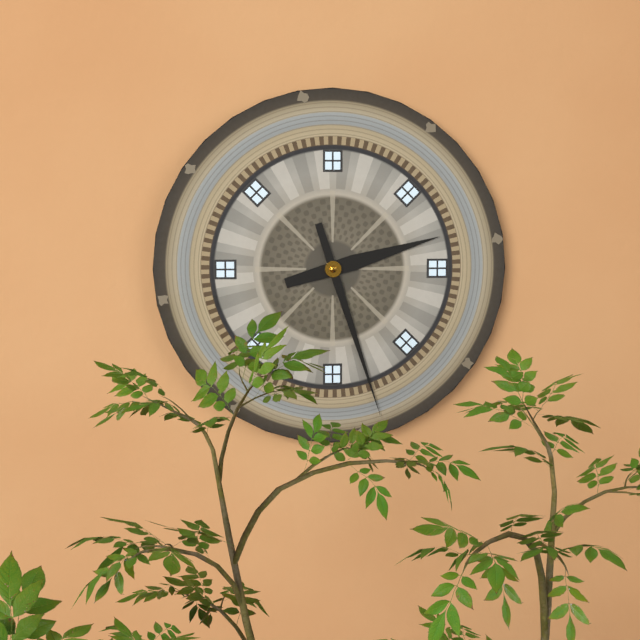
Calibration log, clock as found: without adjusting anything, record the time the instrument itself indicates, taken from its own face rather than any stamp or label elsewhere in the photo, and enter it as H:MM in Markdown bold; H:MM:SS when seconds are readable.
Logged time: **2:27**
